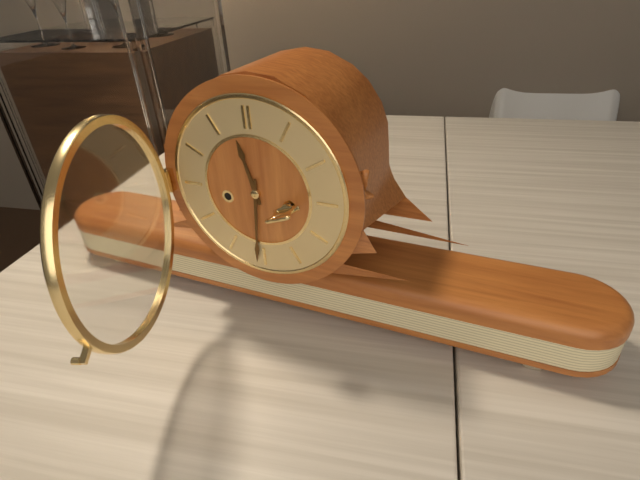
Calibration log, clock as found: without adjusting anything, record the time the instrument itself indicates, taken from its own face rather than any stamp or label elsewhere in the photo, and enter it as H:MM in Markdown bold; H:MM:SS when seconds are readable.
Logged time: **11:31**
